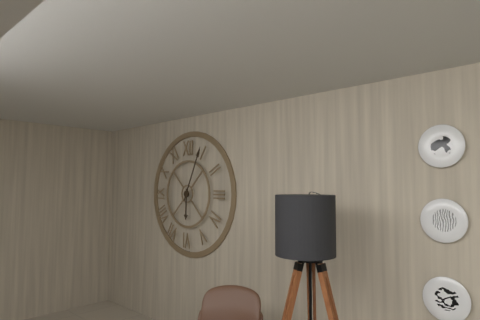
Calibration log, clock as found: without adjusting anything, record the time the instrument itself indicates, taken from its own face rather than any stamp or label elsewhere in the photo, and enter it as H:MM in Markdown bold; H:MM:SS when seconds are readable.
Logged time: **6:04**
